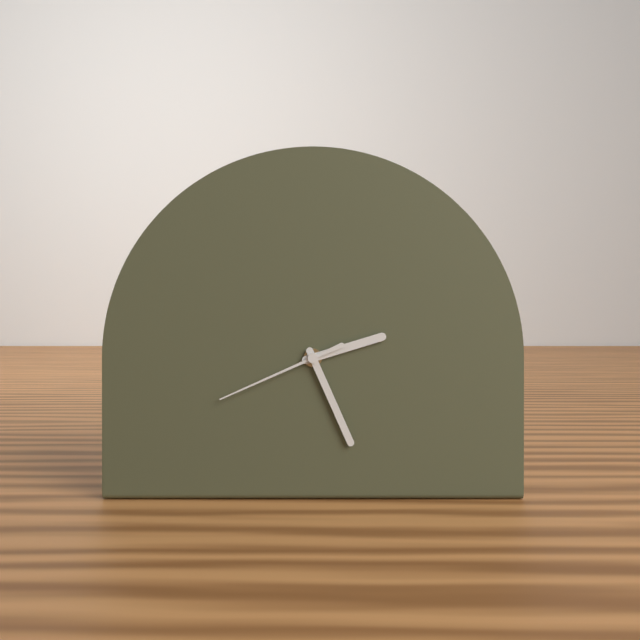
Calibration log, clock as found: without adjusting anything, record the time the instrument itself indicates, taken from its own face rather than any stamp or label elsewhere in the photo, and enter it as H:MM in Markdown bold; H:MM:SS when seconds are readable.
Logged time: **2:26:41**
